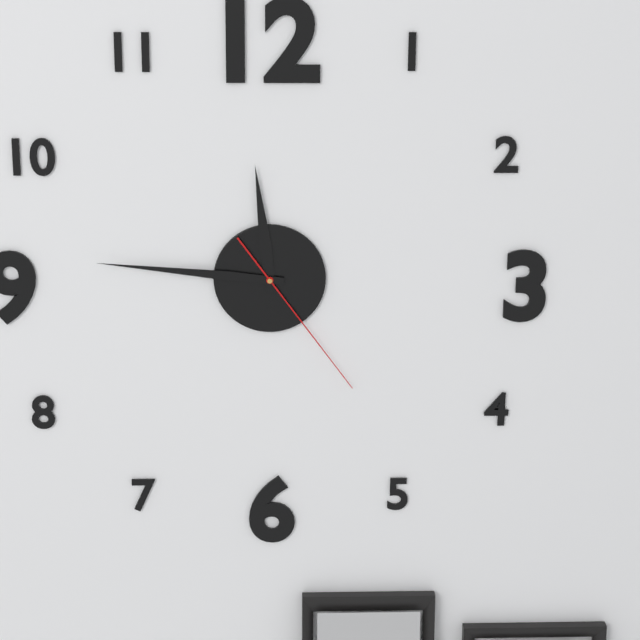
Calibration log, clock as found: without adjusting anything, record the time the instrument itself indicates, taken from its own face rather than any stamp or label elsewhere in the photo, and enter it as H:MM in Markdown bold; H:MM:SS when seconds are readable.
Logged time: **11:46:24**
